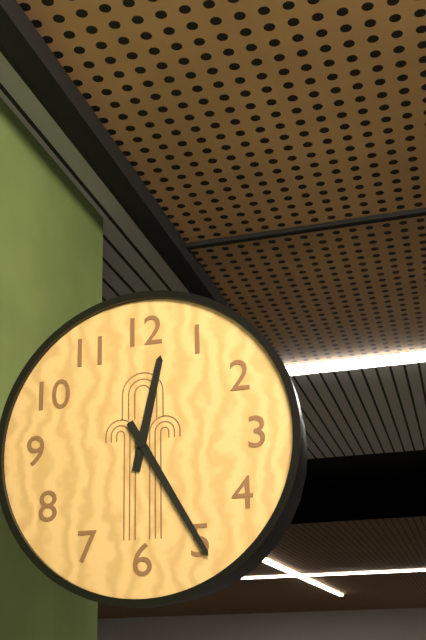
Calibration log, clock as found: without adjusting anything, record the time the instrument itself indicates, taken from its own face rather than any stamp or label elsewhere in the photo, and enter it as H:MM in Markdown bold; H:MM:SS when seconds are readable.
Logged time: **12:25**
